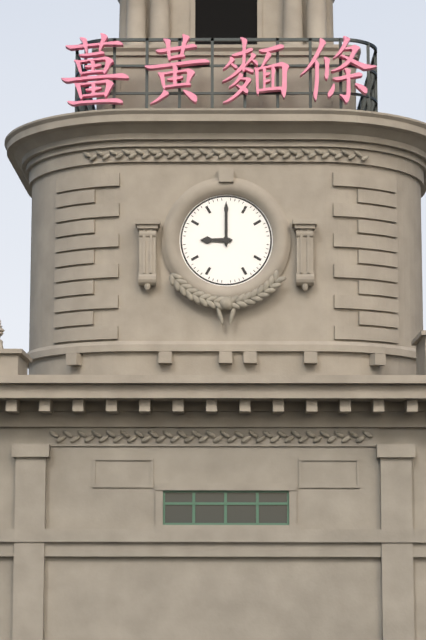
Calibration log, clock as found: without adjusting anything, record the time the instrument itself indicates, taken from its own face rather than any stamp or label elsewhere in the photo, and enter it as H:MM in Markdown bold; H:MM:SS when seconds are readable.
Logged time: **9:00**
